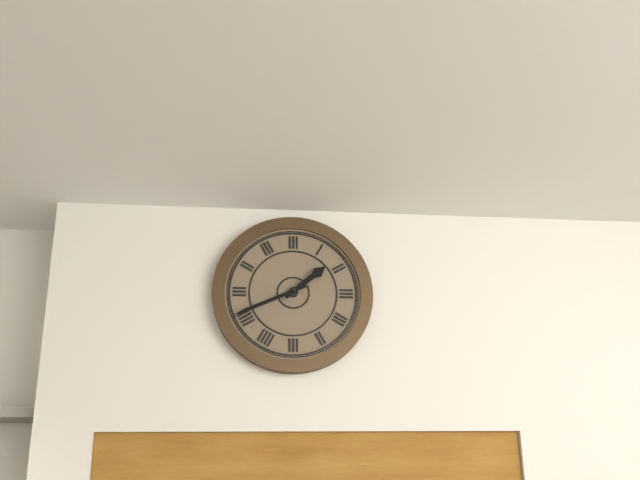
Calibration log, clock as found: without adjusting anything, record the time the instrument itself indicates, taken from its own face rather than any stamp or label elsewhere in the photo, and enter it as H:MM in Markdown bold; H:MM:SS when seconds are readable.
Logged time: **1:41**
